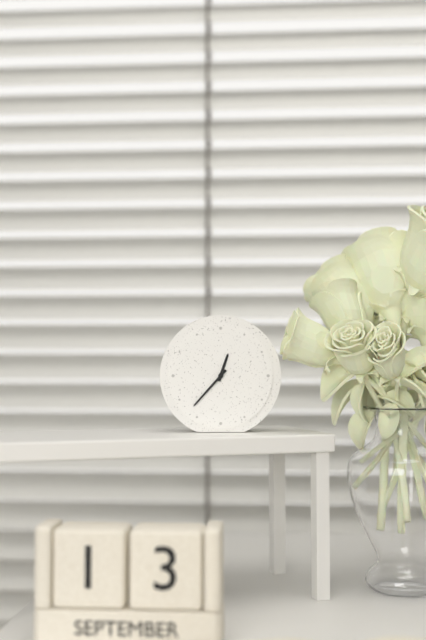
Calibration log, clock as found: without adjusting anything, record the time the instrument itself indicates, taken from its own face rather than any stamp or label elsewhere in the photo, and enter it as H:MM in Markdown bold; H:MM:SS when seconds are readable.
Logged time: **12:37**
